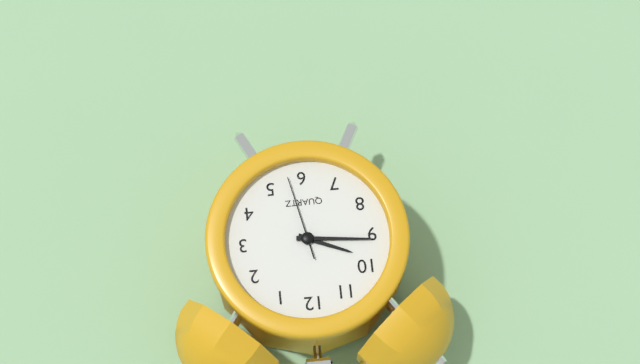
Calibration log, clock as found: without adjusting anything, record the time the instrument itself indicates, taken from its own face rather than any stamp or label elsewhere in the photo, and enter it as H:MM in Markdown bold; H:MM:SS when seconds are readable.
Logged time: **9:46:28**
